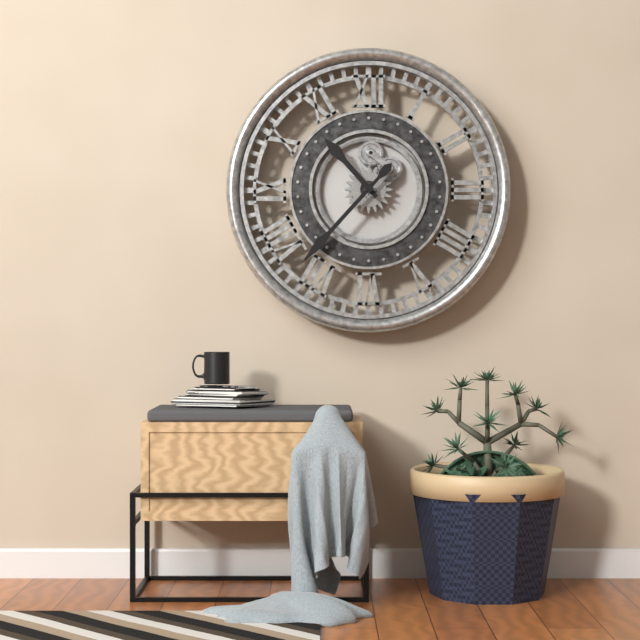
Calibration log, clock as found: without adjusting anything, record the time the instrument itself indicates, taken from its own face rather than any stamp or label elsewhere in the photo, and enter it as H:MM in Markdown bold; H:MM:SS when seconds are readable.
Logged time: **10:37**
